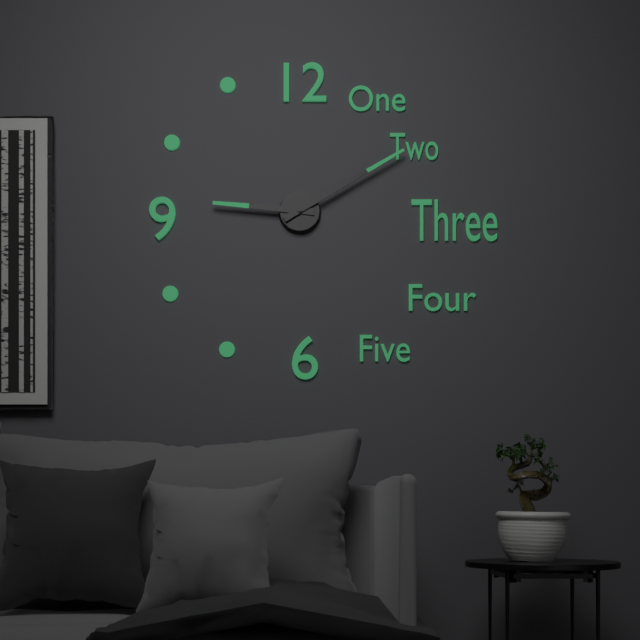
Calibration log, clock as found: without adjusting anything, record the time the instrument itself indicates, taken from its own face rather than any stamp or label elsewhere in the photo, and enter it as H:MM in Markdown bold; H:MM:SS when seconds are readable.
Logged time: **9:10**
